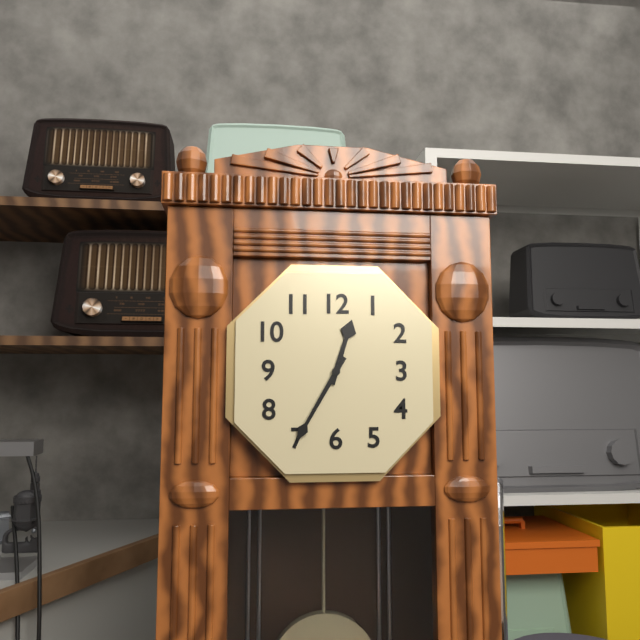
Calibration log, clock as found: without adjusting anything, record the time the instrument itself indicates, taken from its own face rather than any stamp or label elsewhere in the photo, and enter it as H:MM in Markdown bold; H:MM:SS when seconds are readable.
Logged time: **12:35**
